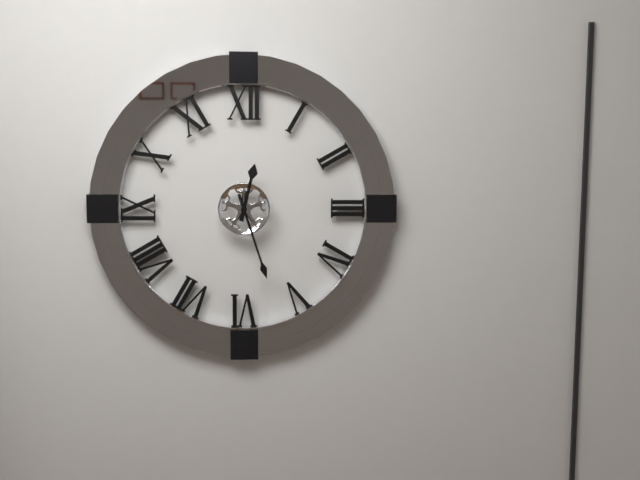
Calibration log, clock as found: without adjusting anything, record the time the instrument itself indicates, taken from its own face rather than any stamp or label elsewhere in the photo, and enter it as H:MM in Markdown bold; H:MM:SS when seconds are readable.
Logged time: **12:27**
